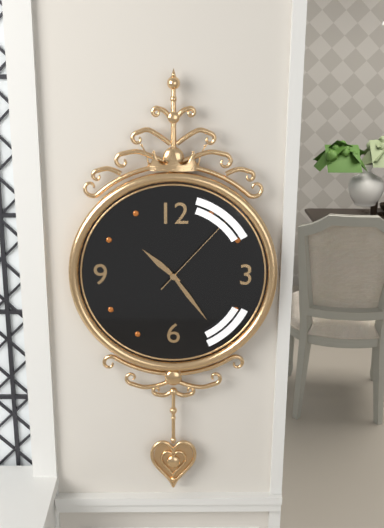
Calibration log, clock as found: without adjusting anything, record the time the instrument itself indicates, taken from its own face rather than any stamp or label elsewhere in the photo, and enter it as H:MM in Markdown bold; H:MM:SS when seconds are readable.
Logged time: **10:24:07**
